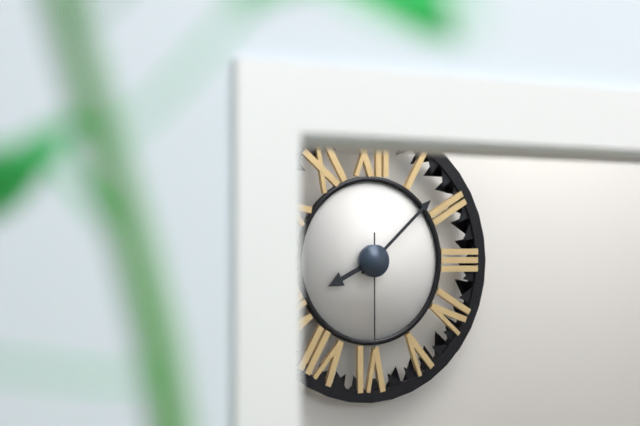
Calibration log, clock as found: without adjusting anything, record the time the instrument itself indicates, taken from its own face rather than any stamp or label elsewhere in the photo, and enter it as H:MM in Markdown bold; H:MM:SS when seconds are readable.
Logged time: **8:08:30**
